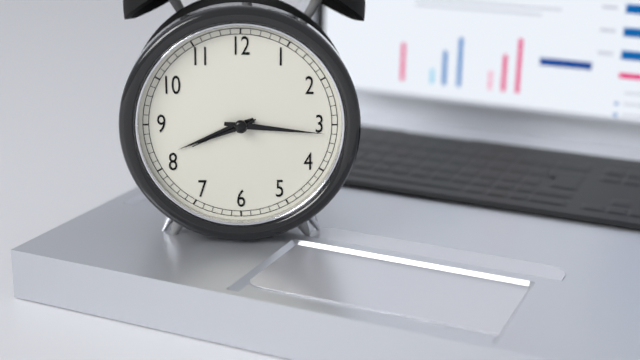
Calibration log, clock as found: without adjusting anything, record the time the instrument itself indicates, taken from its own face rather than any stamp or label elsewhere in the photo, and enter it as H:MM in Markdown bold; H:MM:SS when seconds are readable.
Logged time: **8:16:41**
